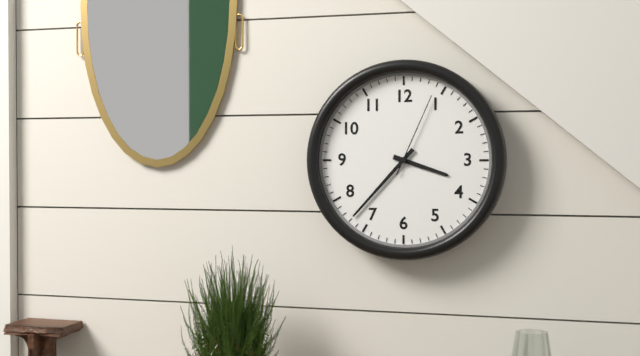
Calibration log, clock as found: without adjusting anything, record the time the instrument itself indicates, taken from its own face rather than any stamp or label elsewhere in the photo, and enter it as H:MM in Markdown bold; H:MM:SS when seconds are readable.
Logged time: **3:37:04**
